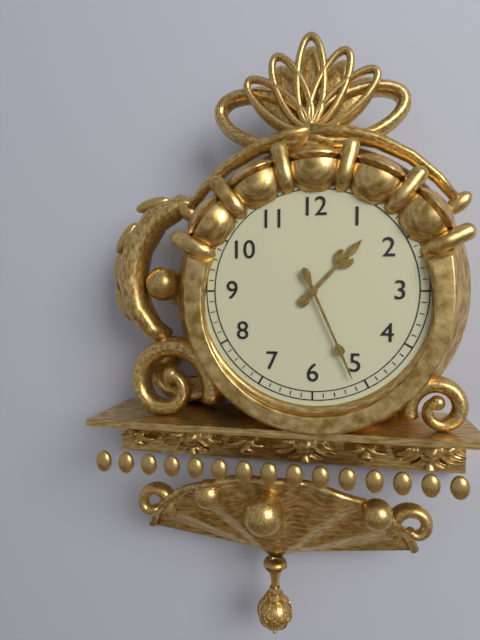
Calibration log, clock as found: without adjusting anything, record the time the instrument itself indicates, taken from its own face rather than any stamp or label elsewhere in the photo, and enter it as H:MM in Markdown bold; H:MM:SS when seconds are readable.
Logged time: **1:26**
